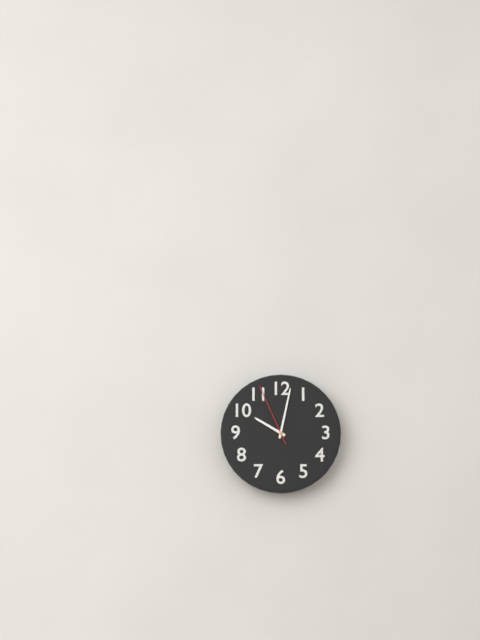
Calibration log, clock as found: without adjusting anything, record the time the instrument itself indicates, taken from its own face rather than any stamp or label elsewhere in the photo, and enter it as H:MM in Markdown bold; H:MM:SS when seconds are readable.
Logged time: **10:02:56**
